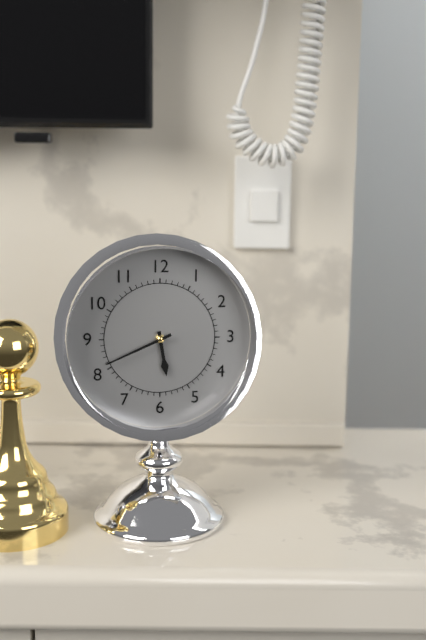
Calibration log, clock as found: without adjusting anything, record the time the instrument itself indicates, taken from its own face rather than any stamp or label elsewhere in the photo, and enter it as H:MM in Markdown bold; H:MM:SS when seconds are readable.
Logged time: **5:41**
